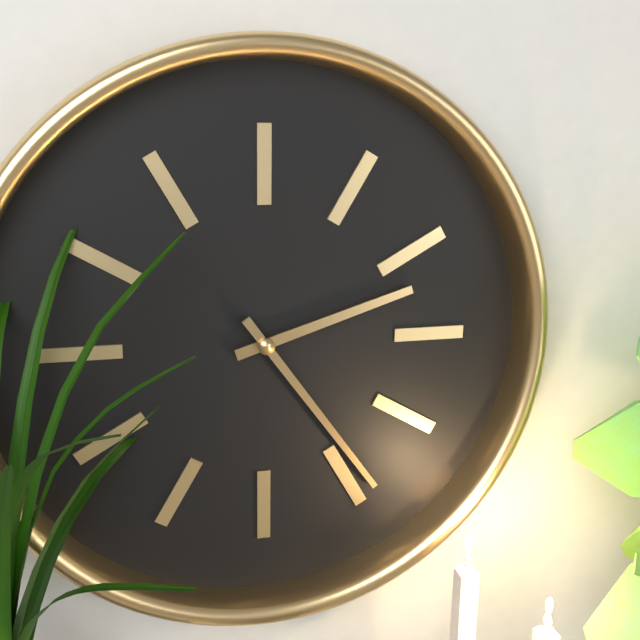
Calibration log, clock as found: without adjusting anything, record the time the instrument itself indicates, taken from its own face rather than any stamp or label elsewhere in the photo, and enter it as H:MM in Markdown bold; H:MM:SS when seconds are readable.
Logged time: **2:24**
